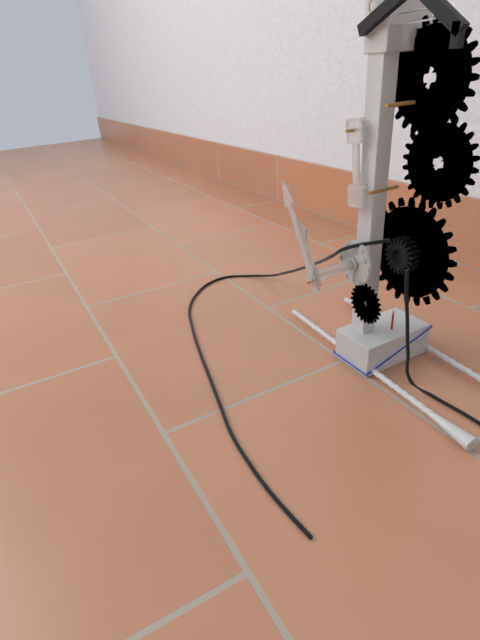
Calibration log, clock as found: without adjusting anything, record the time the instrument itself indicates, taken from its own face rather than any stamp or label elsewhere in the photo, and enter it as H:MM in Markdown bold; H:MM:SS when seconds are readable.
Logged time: **10:55**
